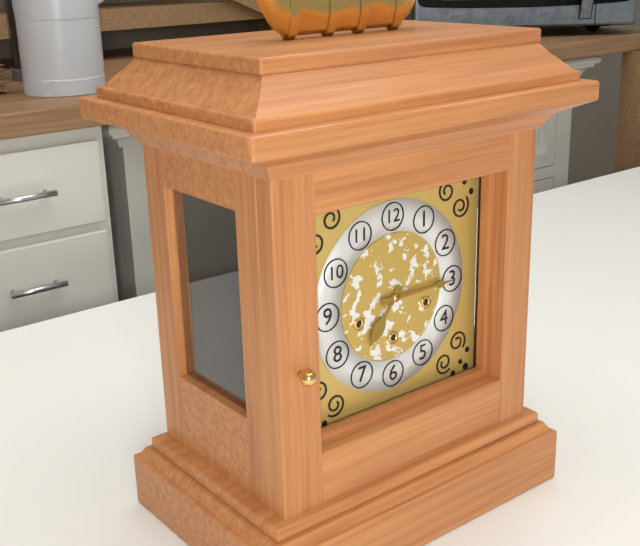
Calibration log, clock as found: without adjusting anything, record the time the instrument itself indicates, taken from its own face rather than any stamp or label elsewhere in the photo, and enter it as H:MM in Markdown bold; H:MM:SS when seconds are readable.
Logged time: **7:15**
